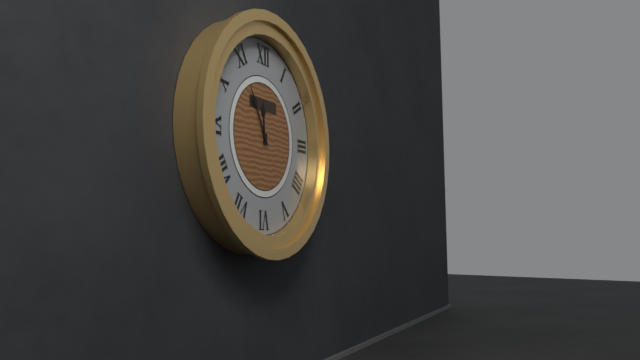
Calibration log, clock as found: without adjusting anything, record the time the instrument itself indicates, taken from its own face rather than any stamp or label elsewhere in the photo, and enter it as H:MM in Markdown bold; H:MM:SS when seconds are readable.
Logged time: **11:55**
